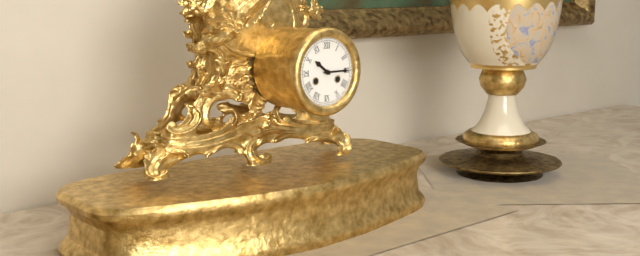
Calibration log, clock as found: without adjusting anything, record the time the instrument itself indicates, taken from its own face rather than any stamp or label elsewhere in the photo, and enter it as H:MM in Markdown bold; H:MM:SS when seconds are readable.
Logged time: **10:15**
